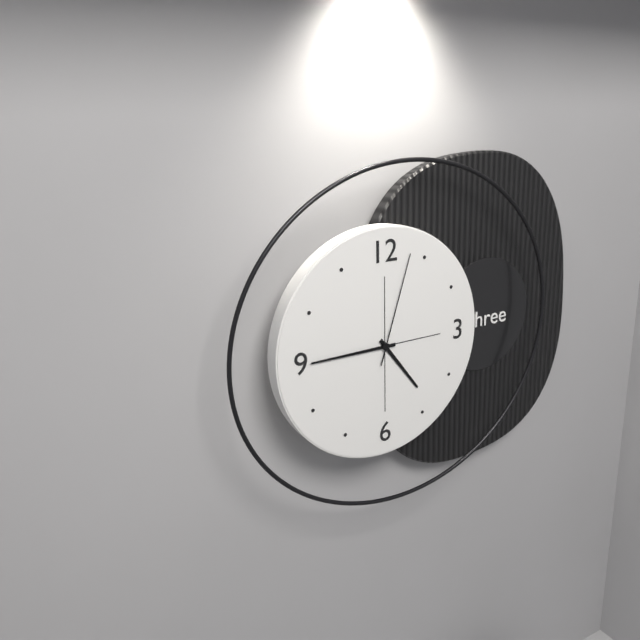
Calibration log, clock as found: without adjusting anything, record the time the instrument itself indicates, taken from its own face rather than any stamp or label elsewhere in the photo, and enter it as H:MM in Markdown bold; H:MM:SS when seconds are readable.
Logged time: **4:45:03**
